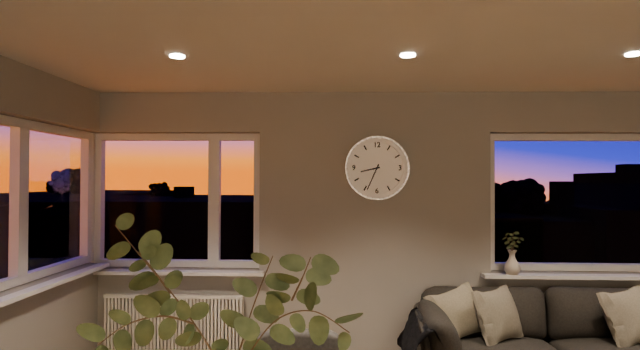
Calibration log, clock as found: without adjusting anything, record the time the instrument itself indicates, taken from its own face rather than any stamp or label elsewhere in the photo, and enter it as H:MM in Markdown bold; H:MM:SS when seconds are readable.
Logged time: **8:34**
